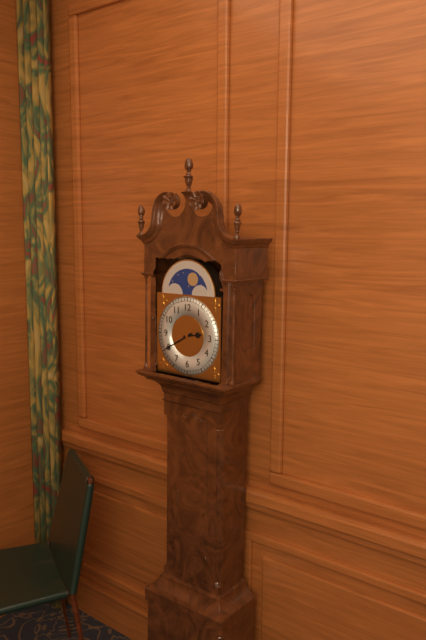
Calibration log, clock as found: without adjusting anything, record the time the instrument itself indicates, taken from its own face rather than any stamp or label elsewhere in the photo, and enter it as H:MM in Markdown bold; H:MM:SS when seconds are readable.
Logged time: **2:40**
